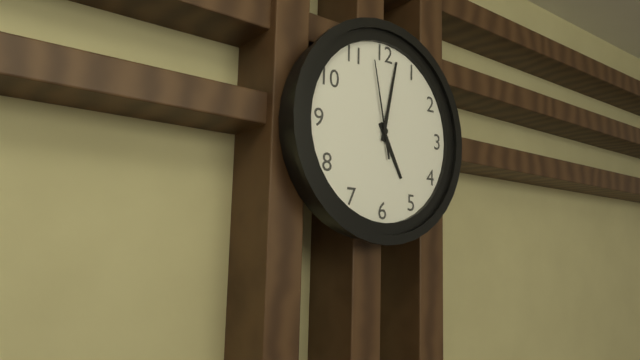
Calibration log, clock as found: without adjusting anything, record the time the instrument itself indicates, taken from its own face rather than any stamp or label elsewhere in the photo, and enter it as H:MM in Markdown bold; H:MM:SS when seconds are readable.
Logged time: **5:02:58**
